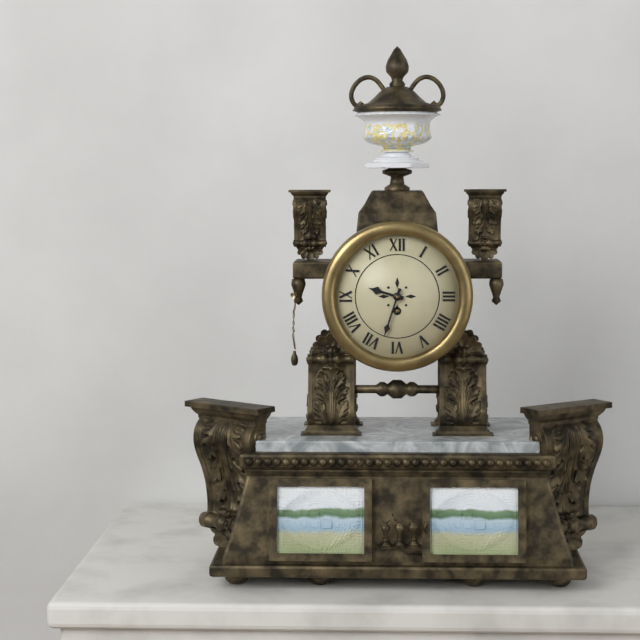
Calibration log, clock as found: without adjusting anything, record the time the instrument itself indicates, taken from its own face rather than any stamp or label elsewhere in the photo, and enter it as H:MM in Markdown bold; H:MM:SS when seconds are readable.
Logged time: **9:33**
